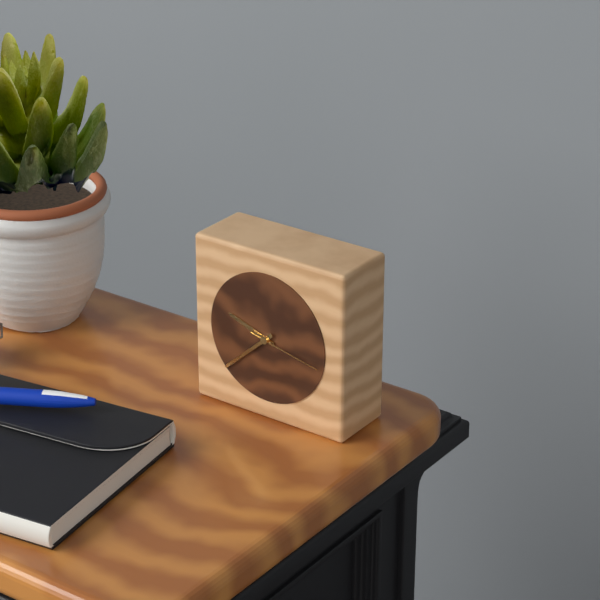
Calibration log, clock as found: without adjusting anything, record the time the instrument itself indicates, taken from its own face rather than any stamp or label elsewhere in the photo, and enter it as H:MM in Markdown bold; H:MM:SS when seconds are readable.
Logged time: **9:38:17**
